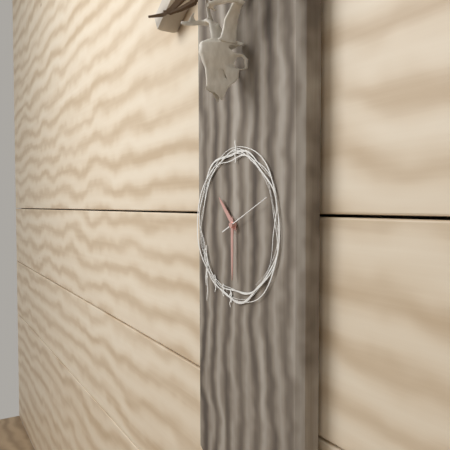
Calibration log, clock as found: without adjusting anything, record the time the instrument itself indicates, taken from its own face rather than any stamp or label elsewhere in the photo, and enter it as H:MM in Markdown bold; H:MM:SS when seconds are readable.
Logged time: **10:30:11**
